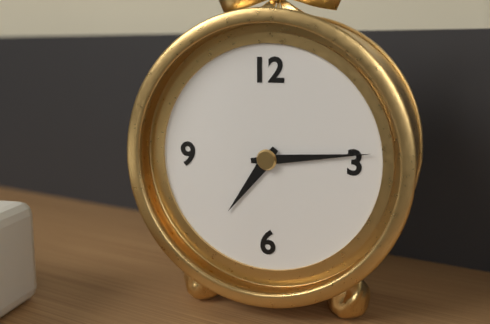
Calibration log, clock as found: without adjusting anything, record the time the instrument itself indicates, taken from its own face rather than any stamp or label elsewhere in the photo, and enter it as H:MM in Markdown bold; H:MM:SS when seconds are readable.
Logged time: **7:14**
